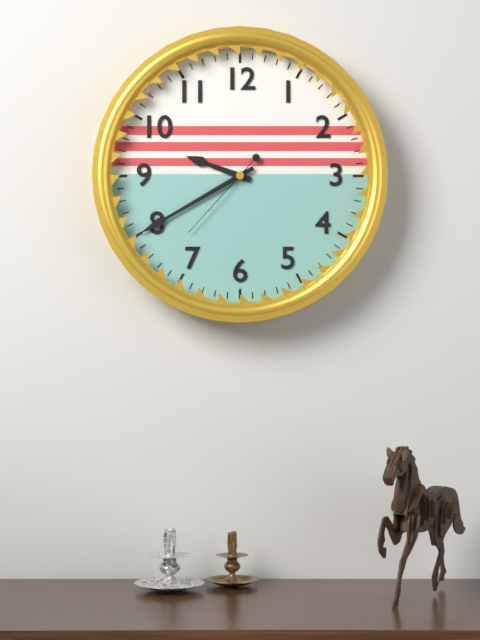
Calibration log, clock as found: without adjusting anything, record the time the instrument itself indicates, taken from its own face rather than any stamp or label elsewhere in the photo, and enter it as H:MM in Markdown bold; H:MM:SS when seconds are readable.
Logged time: **9:40:37**
